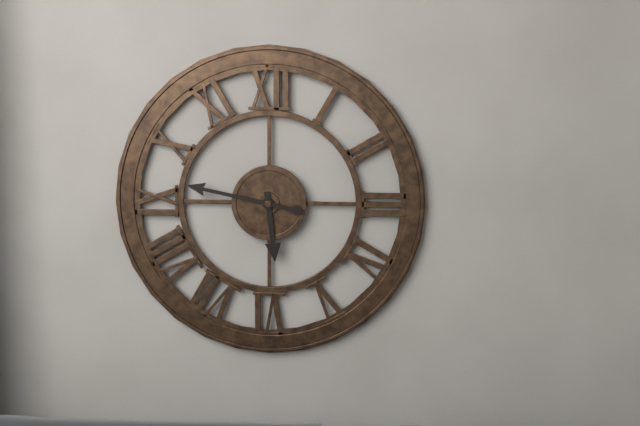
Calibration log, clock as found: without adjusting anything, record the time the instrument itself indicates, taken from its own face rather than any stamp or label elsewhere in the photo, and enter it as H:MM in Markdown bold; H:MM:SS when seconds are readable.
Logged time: **5:47**
